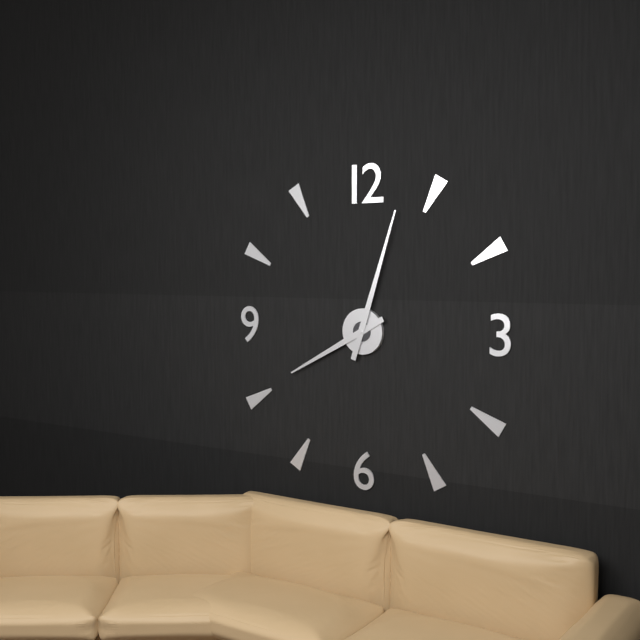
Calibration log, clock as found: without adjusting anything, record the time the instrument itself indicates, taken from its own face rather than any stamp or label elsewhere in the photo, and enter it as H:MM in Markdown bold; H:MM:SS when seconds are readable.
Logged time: **8:03**
